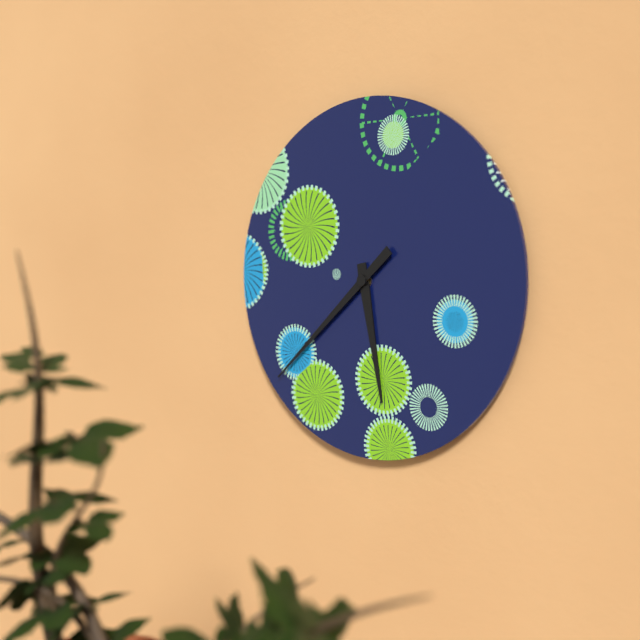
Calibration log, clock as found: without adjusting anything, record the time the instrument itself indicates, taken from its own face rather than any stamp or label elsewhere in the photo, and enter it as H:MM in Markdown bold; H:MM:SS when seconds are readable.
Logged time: **5:38**
